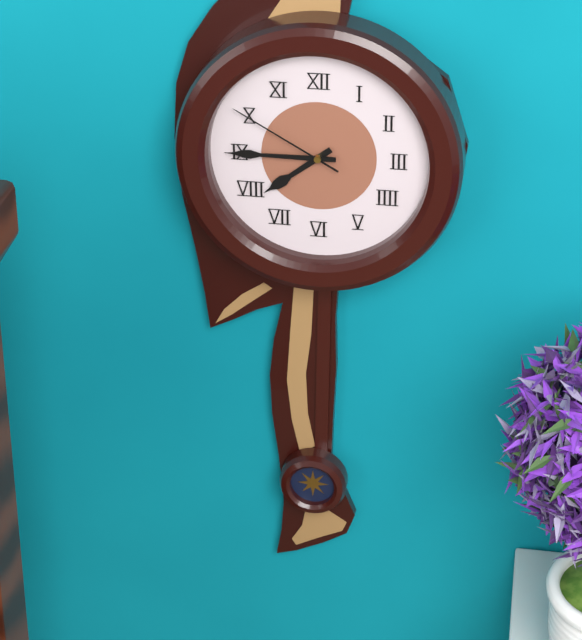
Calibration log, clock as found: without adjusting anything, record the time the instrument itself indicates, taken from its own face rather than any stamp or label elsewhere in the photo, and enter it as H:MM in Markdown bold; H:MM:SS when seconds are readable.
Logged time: **7:45:50**
